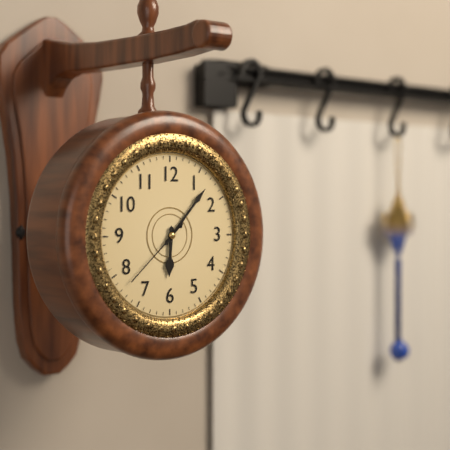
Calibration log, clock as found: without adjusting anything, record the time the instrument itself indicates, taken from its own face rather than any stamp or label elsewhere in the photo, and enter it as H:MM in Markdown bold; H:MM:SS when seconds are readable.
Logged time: **6:07:38**
